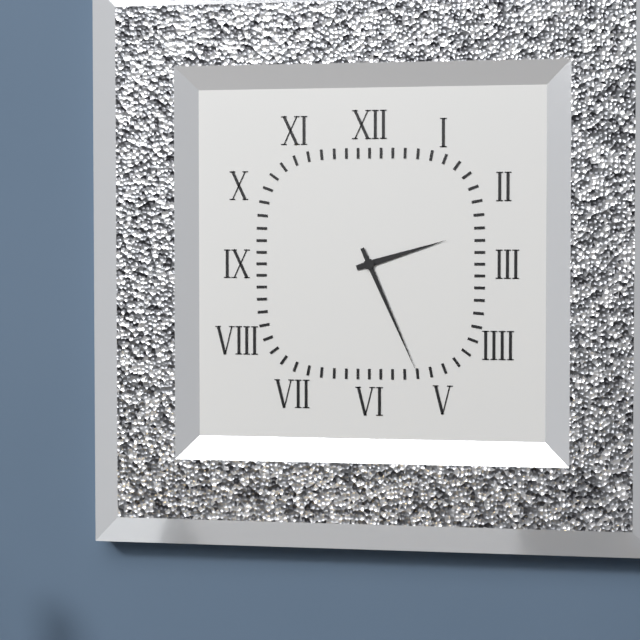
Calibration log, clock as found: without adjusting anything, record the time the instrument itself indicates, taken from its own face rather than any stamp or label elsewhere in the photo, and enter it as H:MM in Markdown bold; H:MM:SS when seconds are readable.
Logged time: **2:26**
